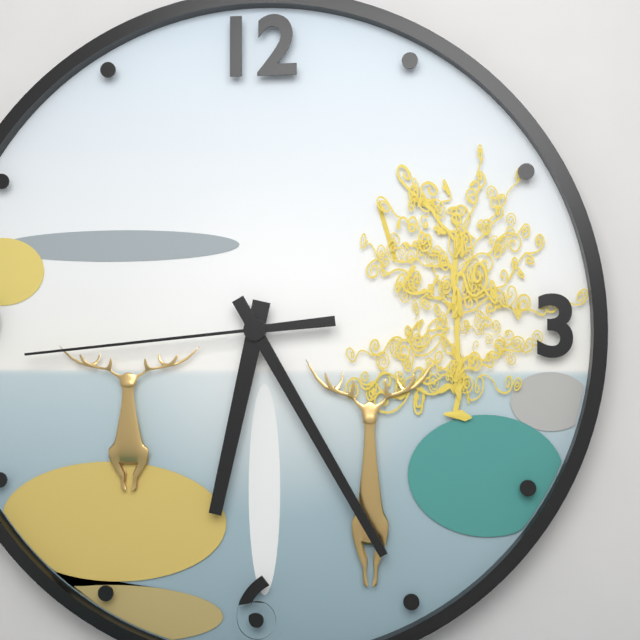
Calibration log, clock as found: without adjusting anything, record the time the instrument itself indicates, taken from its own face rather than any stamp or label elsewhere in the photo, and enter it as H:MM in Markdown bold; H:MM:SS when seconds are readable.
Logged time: **6:25:44**
